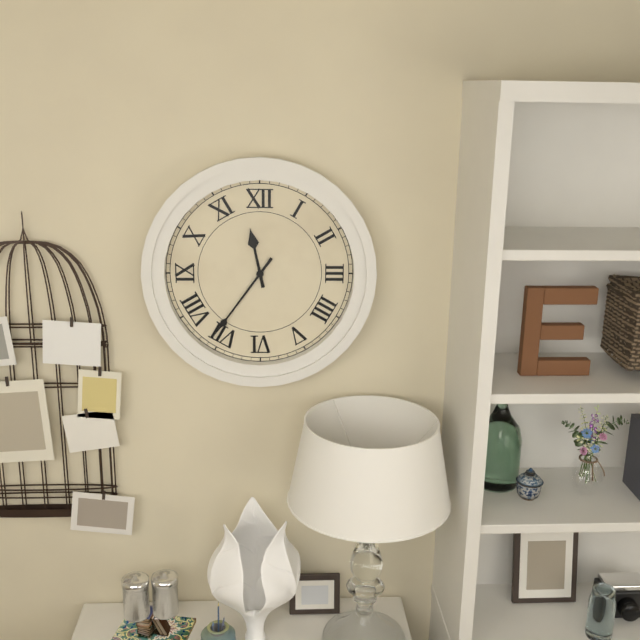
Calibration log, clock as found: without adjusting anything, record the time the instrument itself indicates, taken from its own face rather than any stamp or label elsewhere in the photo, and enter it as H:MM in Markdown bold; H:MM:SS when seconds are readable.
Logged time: **11:36**
